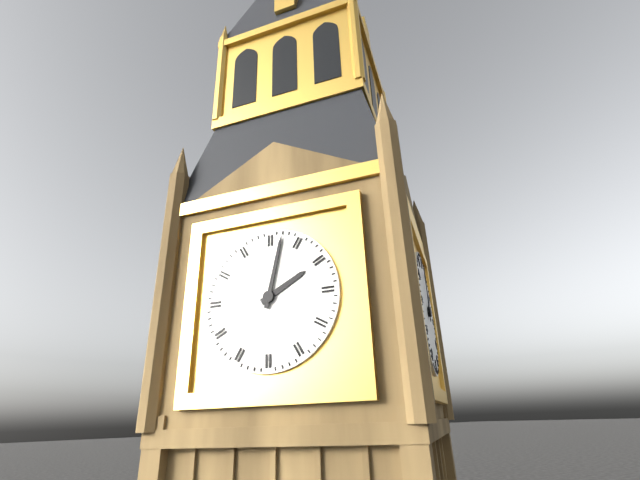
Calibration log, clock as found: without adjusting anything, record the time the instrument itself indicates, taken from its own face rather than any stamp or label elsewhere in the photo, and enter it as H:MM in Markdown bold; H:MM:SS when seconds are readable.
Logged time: **2:02**
